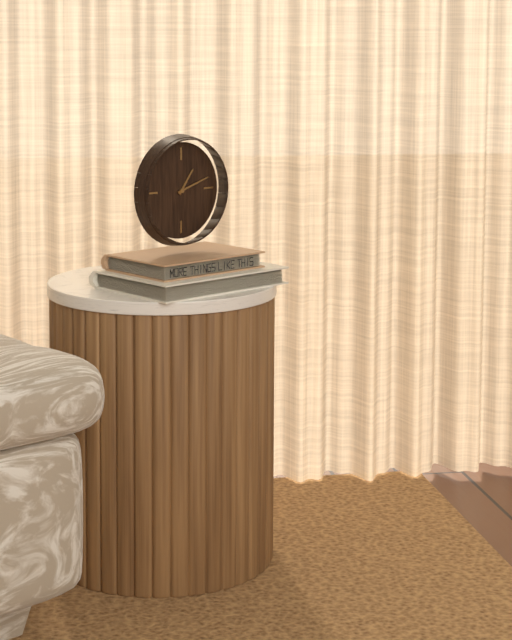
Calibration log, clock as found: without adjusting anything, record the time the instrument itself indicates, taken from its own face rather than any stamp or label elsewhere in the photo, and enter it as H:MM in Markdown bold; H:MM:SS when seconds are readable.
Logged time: **1:12**
